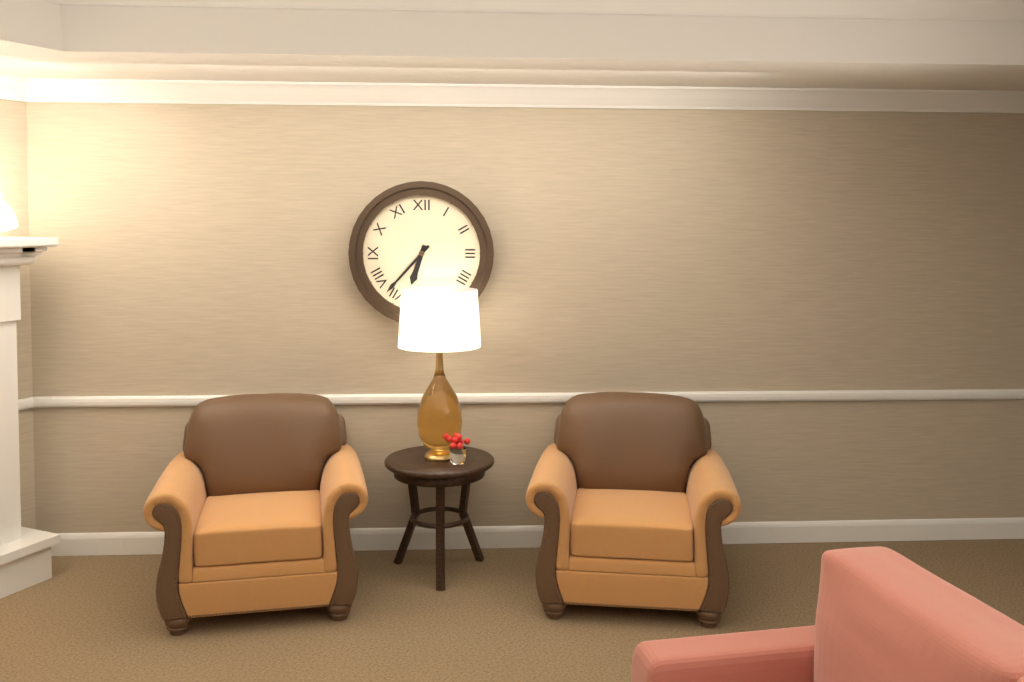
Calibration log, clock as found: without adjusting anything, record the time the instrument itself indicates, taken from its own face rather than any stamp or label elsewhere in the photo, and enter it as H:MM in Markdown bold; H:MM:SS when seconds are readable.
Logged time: **6:37**
